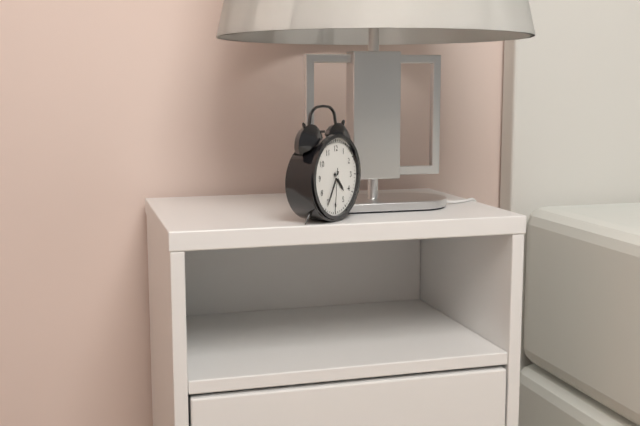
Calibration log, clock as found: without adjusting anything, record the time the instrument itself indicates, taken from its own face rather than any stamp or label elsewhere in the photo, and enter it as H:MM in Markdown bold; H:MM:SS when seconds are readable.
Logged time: **4:35**
